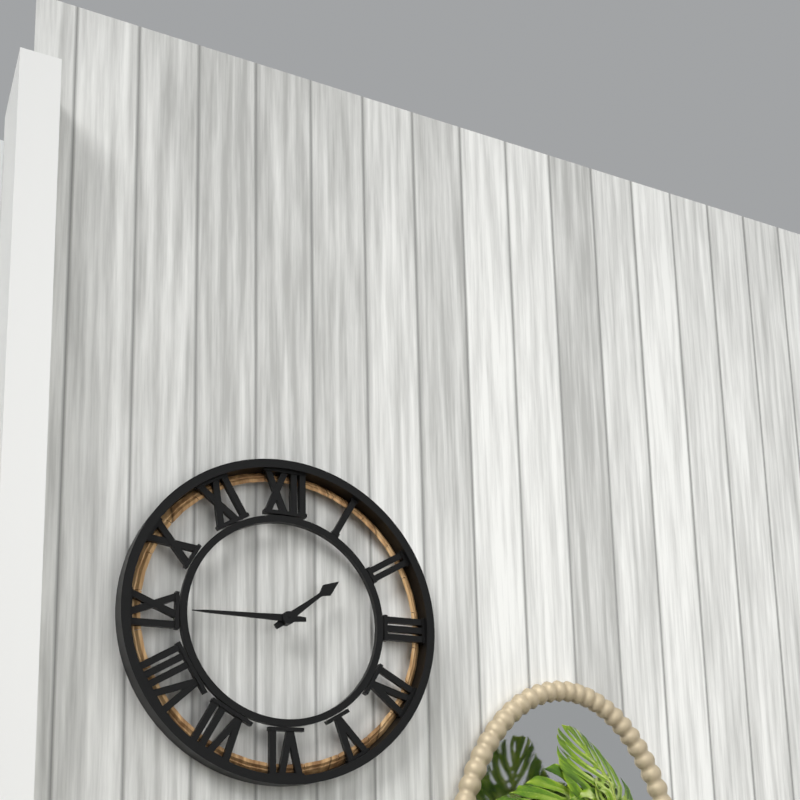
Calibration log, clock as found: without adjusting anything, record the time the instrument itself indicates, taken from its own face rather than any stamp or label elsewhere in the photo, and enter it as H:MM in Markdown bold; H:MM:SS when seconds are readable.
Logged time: **1:45**
